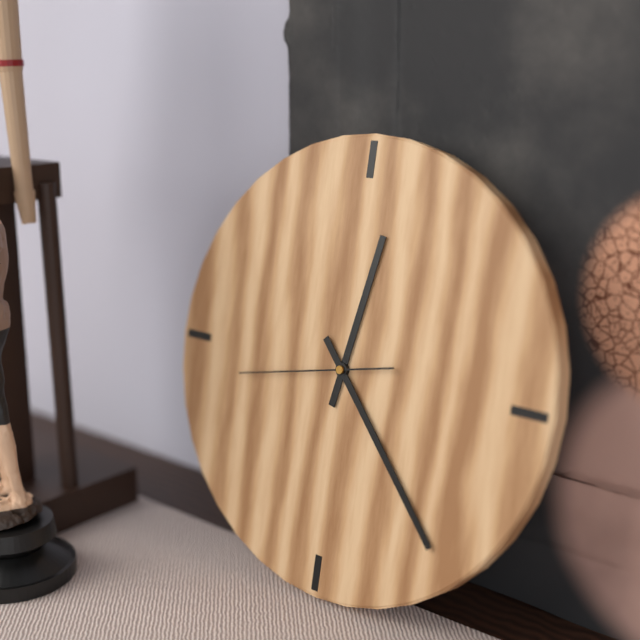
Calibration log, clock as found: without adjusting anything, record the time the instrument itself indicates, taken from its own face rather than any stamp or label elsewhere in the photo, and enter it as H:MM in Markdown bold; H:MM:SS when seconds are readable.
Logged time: **12:23:43**
